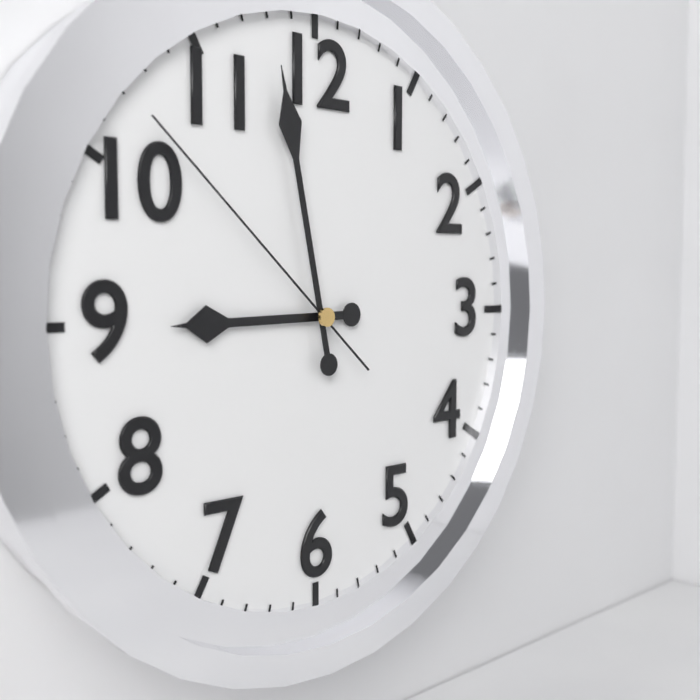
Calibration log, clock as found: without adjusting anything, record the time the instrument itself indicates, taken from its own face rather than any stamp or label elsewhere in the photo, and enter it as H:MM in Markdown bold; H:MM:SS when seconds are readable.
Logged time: **8:58:52**
